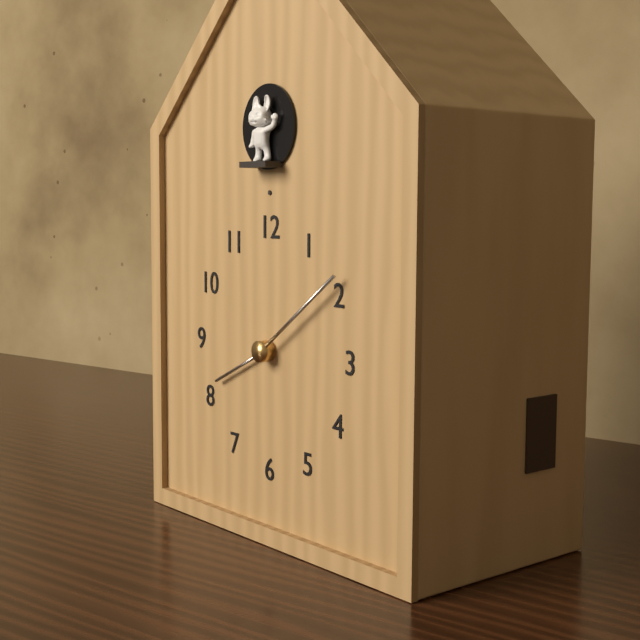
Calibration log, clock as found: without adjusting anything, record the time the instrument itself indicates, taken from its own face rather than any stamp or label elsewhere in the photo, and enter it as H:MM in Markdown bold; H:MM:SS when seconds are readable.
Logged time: **8:09**
